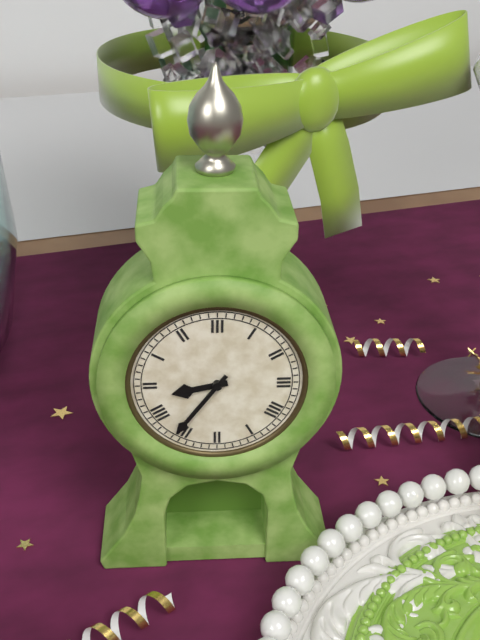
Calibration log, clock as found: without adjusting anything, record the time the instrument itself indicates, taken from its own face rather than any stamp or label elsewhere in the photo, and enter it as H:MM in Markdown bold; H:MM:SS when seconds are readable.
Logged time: **8:36**
